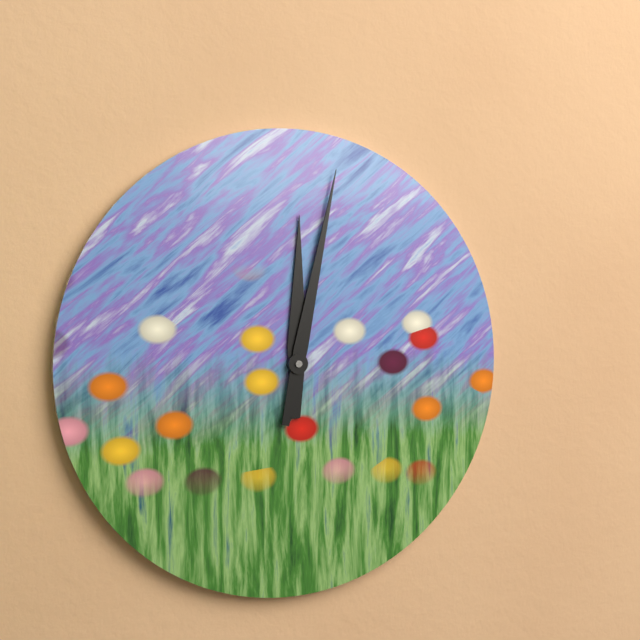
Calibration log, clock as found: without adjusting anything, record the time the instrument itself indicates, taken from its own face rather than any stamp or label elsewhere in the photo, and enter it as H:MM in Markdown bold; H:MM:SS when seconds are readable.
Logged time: **12:02**
